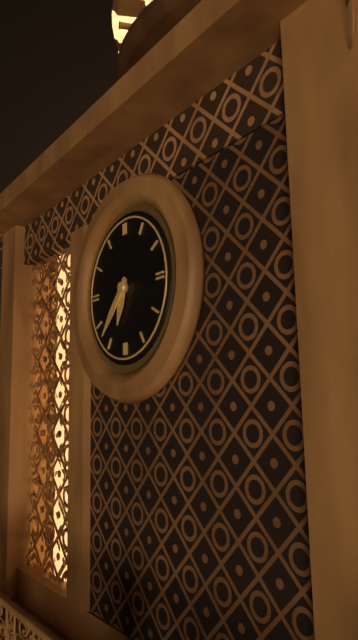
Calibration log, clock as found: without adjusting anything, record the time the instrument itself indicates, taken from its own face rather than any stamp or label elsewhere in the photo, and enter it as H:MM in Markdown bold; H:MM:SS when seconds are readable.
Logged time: **6:37**
